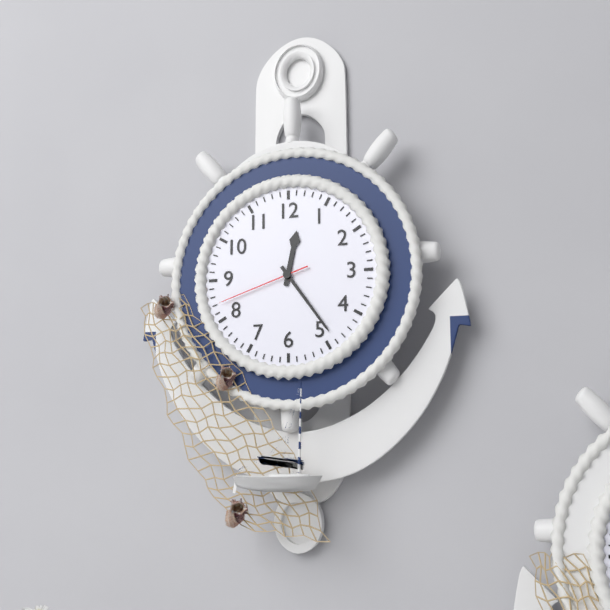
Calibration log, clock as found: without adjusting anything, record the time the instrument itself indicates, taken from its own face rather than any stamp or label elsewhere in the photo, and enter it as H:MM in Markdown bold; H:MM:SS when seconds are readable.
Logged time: **12:24:42**
